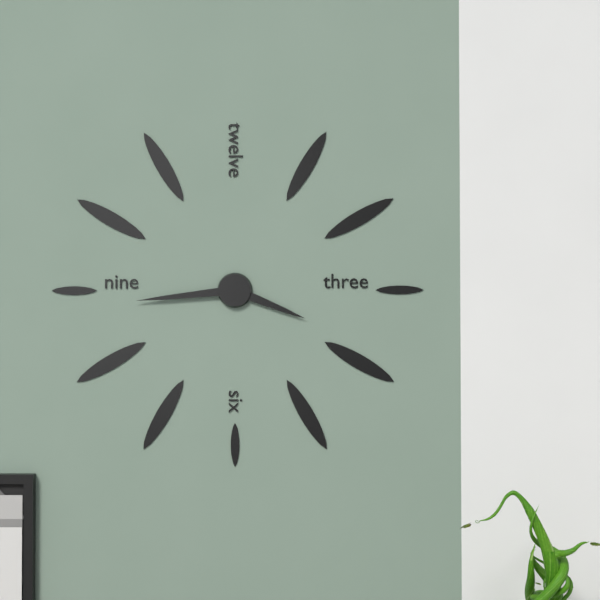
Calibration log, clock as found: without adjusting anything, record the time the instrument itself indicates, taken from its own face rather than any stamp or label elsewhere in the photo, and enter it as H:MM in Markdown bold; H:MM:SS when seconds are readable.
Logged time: **3:44**
